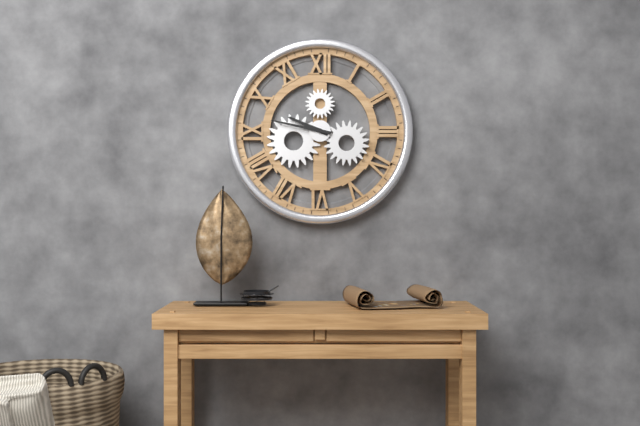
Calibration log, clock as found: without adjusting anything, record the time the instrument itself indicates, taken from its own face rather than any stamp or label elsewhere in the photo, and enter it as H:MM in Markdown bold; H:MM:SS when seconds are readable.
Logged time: **9:47**
